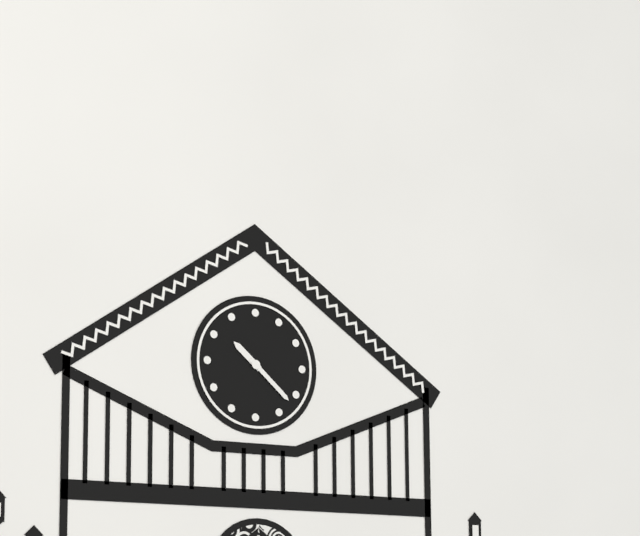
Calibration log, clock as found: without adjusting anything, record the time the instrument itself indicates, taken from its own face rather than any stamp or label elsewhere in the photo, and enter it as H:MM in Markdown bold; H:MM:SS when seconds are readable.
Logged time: **10:22**
